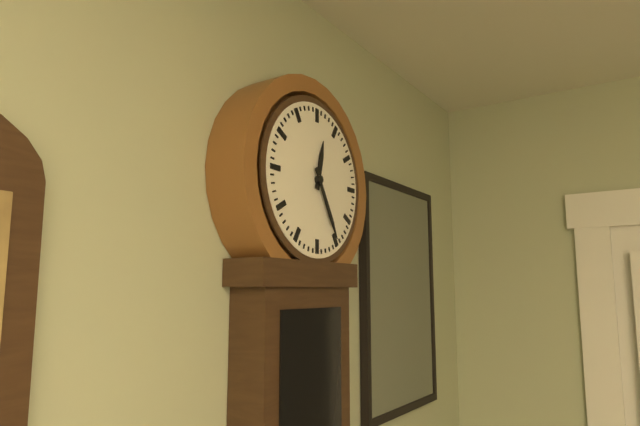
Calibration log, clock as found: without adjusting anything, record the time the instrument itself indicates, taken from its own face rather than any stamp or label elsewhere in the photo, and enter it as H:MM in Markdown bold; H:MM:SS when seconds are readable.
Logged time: **12:25**
